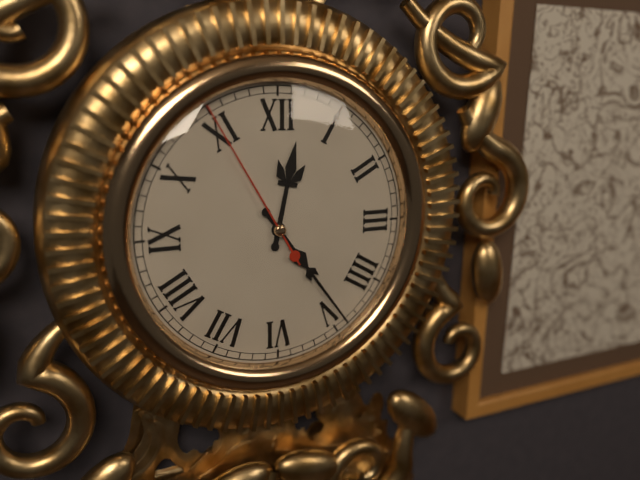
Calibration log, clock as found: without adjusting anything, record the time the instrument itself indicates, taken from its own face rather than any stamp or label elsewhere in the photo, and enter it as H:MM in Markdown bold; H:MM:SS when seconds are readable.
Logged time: **12:24:55**
